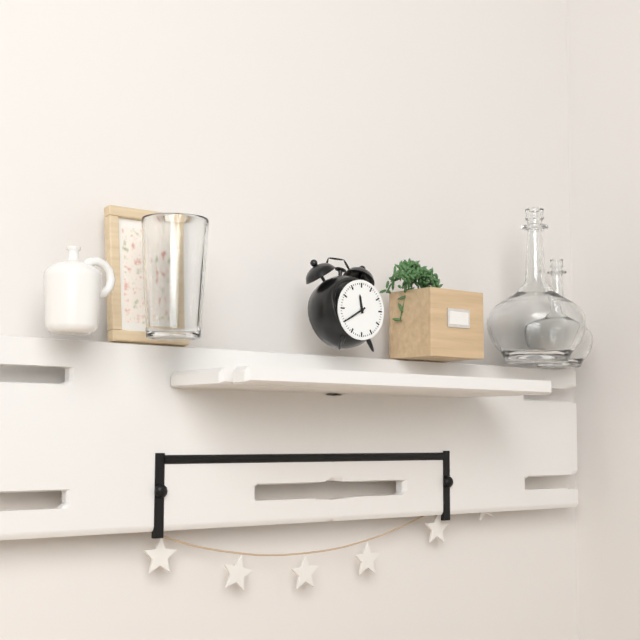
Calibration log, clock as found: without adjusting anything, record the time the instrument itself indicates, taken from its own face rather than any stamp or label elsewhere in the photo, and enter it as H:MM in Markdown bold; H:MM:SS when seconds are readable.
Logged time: **11:40**
